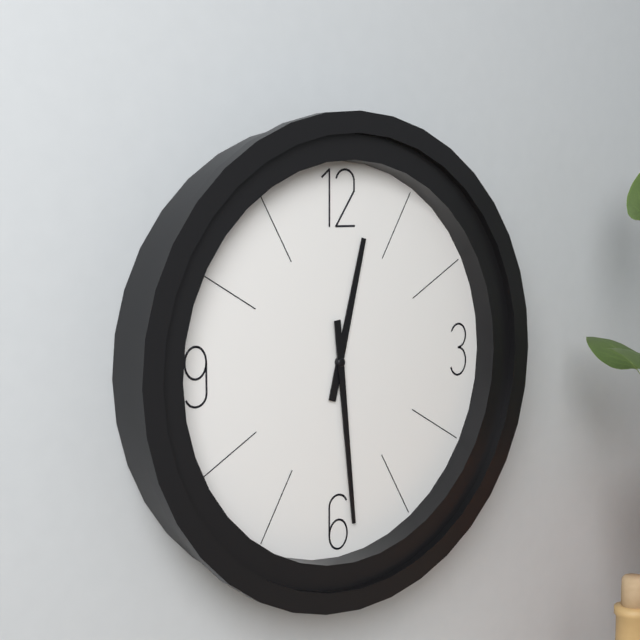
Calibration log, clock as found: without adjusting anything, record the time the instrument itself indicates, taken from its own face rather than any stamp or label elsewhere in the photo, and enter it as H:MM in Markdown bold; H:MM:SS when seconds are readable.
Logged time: **12:29**
